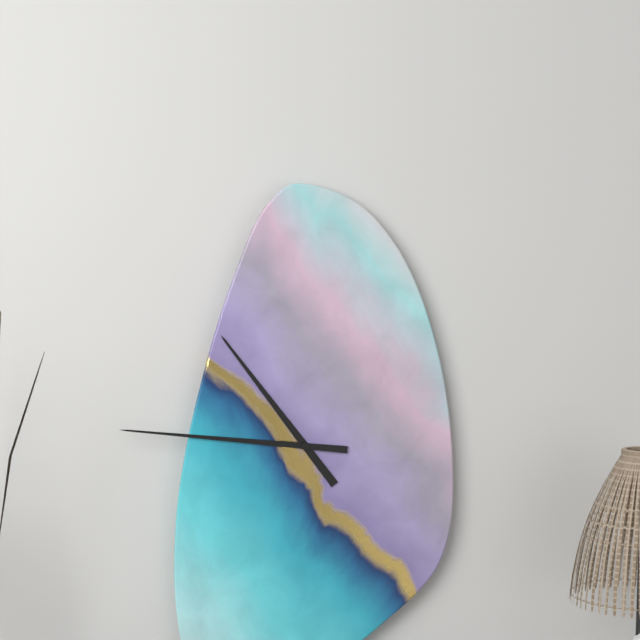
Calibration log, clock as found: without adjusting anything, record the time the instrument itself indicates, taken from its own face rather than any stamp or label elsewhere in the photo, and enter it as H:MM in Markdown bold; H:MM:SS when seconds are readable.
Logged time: **10:46**
